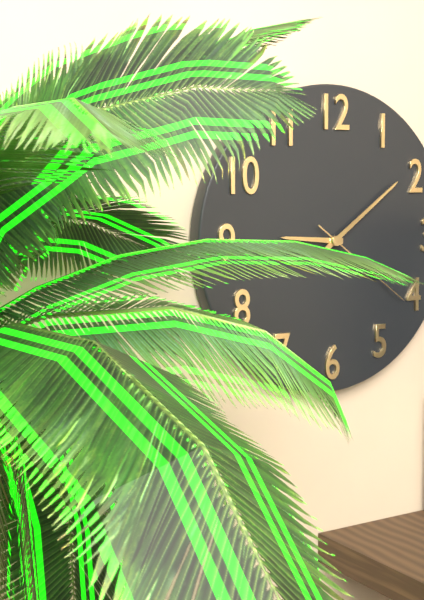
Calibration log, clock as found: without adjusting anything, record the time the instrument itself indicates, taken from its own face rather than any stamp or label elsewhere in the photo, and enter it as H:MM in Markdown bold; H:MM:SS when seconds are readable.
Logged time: **9:09:21**
